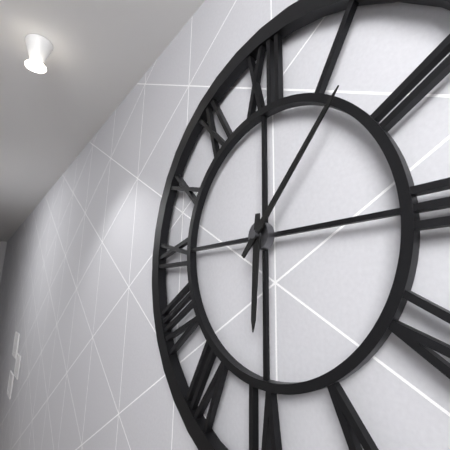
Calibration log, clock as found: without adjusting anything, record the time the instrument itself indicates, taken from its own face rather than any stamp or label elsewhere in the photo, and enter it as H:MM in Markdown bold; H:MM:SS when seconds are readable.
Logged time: **6:07**
